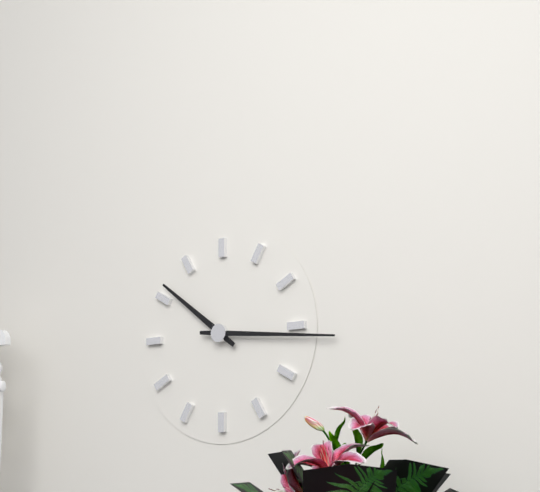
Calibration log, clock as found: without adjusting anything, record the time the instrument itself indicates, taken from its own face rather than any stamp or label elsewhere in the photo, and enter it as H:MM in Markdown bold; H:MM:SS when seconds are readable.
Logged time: **10:16**
